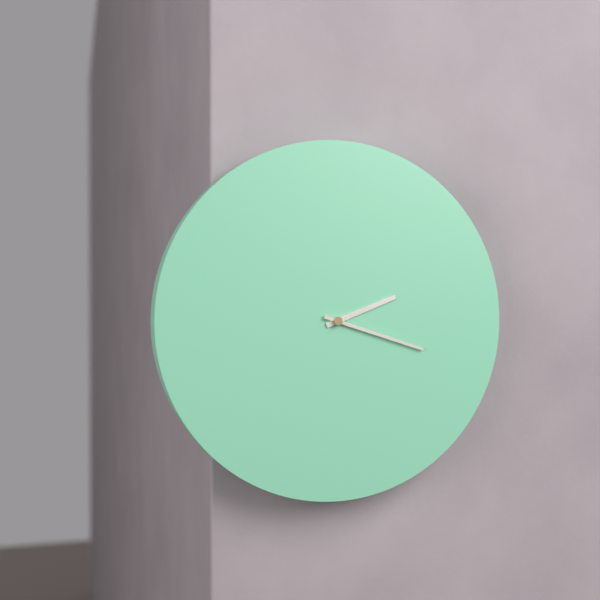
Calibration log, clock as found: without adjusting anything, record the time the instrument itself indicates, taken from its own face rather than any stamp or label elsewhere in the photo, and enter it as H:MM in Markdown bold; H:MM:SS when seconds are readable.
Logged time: **2:18**
